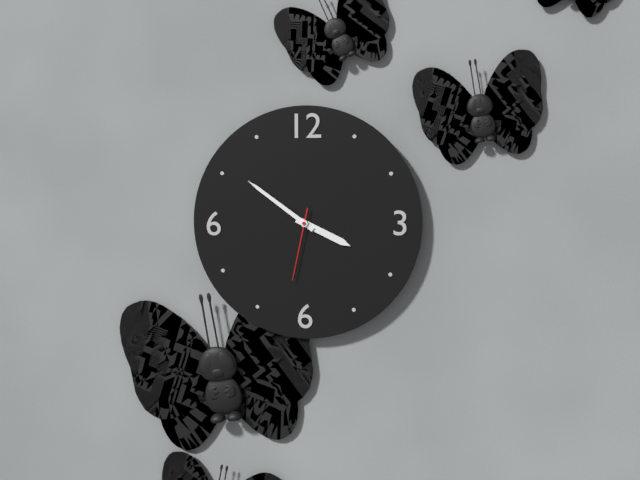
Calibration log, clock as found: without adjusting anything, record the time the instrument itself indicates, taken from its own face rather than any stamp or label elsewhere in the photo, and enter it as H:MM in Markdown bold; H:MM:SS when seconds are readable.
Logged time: **3:51:32**
